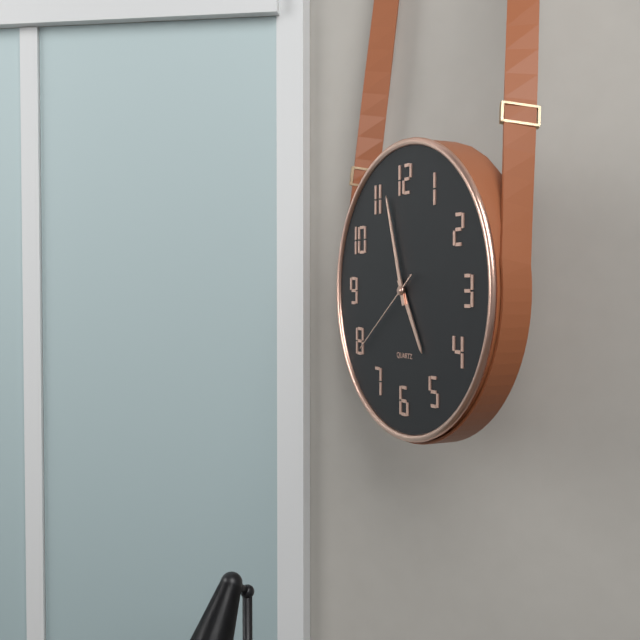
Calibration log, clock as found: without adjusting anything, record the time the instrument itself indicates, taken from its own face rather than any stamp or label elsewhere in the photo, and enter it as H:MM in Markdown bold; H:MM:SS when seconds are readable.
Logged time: **4:57:39**
